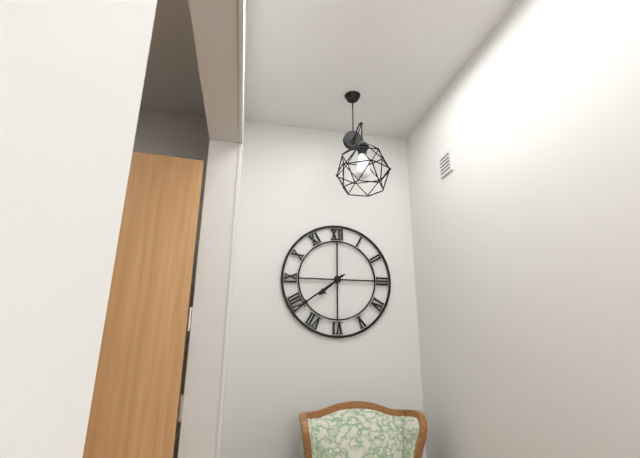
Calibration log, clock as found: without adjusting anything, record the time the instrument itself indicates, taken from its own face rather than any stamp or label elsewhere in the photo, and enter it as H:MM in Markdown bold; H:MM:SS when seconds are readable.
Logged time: **7:39**
